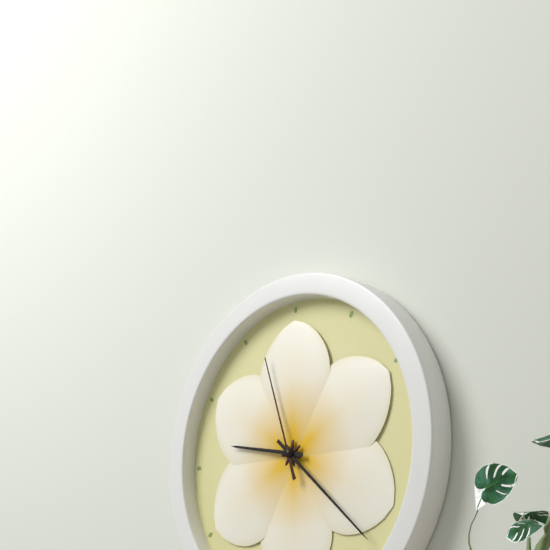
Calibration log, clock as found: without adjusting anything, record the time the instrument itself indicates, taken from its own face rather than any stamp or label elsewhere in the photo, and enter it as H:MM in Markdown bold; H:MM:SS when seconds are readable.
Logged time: **9:22:57**
